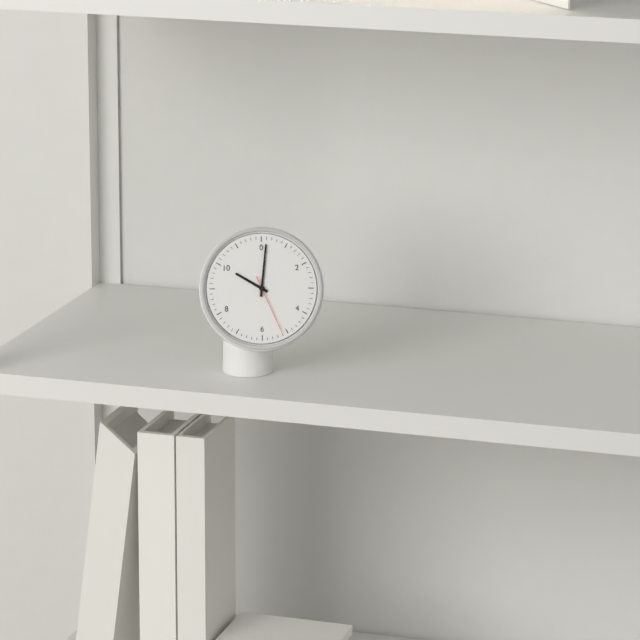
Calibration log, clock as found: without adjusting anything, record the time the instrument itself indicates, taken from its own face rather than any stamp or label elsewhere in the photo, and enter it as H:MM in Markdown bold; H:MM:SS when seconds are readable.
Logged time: **10:01:26**
